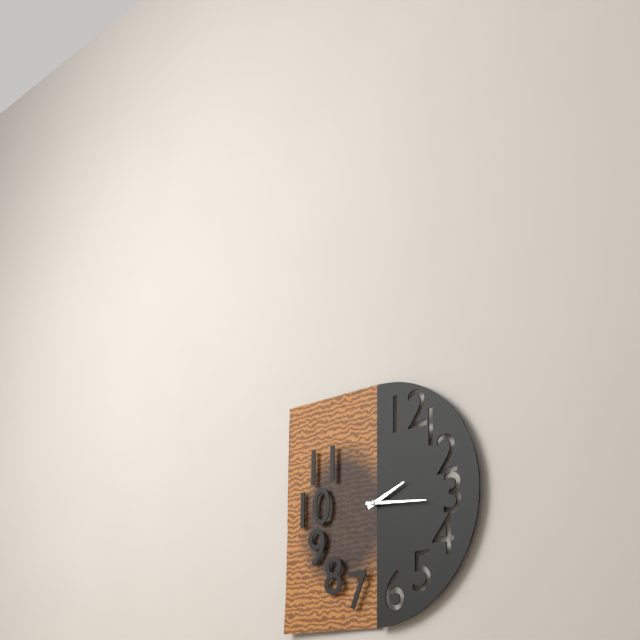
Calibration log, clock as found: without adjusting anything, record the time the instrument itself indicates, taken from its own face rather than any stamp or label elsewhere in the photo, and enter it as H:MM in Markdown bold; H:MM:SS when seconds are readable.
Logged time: **2:16**
